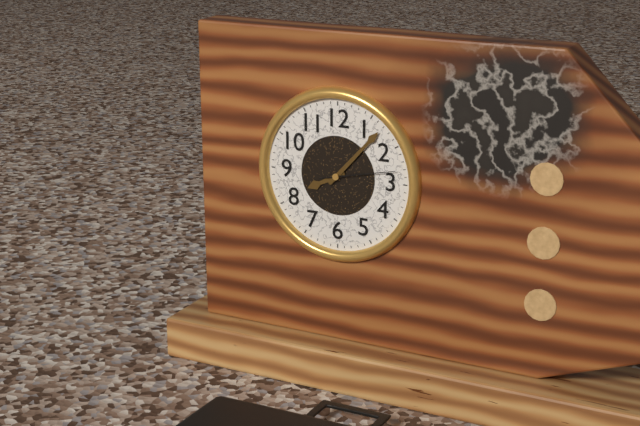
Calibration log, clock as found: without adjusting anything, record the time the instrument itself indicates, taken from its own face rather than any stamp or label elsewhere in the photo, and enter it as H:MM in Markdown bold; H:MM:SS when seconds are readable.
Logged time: **8:07:13**
